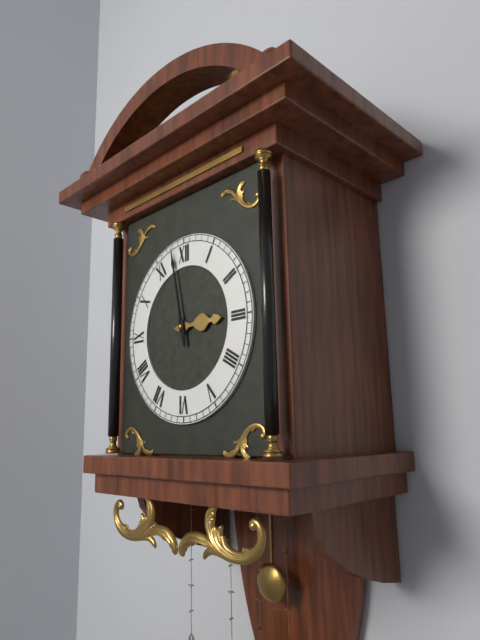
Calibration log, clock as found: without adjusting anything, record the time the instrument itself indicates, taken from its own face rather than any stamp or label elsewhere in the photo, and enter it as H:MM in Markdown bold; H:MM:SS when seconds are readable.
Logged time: **2:58**
